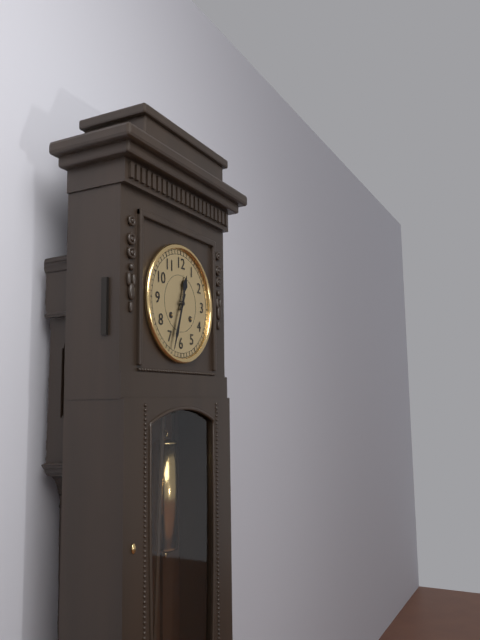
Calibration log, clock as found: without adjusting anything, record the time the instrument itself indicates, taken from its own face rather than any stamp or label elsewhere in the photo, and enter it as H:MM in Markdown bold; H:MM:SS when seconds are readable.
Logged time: **12:33**
